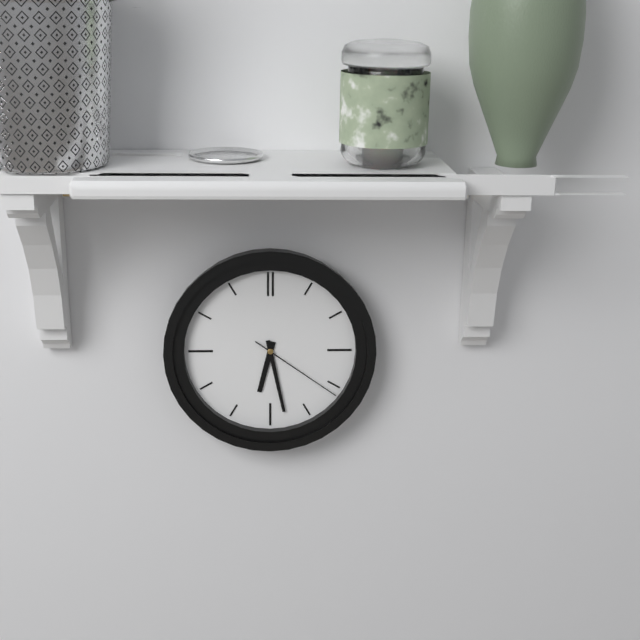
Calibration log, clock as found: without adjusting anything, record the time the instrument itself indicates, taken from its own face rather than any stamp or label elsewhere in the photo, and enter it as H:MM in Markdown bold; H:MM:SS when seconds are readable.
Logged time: **6:28:21**
